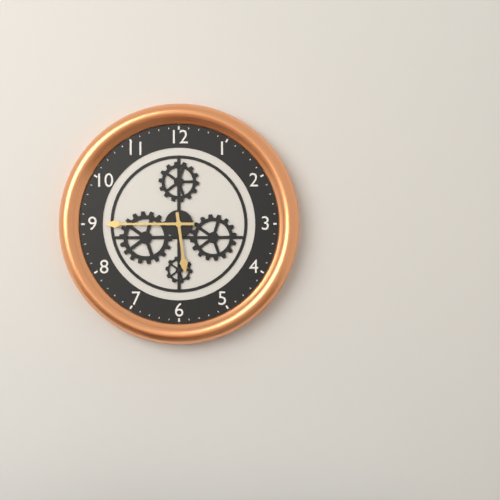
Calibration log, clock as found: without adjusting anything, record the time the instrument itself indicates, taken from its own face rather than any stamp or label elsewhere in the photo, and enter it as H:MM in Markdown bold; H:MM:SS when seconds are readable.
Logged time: **5:45**
